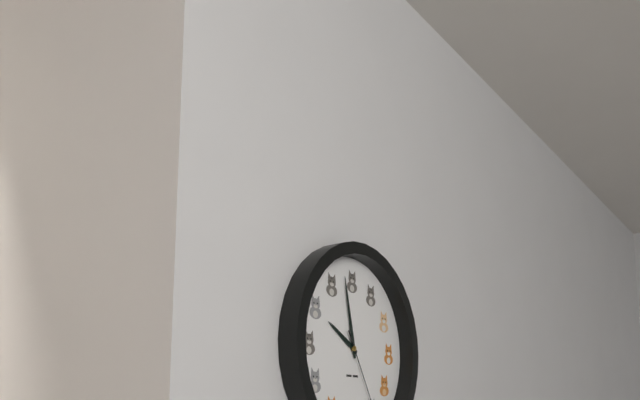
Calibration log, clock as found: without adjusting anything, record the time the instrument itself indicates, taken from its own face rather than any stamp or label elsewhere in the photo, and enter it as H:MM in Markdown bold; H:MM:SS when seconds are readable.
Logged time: **9:58**
